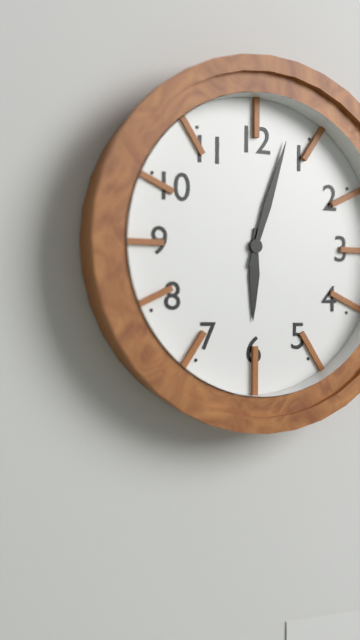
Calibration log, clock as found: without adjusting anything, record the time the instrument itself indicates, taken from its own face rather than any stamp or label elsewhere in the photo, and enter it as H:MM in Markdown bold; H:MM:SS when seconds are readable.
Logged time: **6:03**
